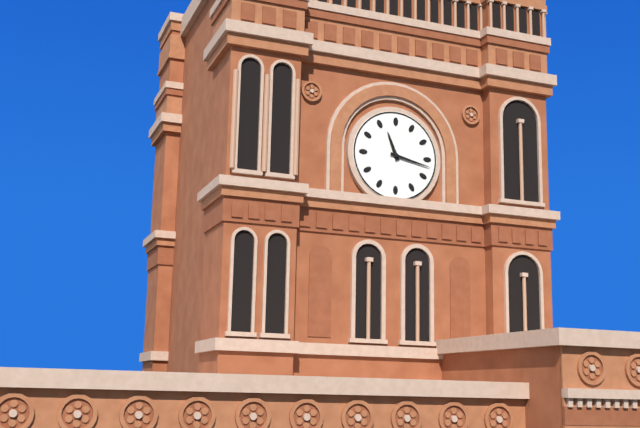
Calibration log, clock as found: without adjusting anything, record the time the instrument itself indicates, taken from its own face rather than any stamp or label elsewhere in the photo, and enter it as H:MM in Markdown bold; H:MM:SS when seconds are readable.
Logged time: **11:17**
